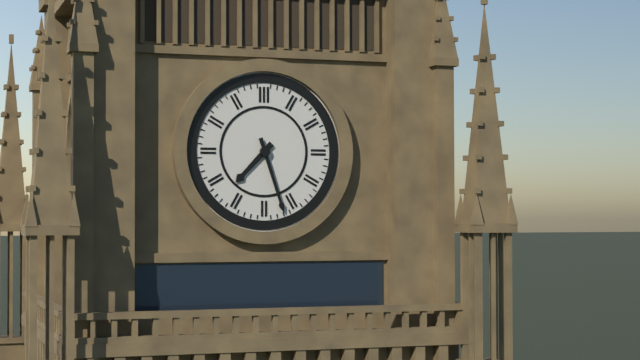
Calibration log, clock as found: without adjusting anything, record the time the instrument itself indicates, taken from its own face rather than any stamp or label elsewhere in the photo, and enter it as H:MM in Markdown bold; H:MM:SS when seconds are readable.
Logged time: **7:27**
